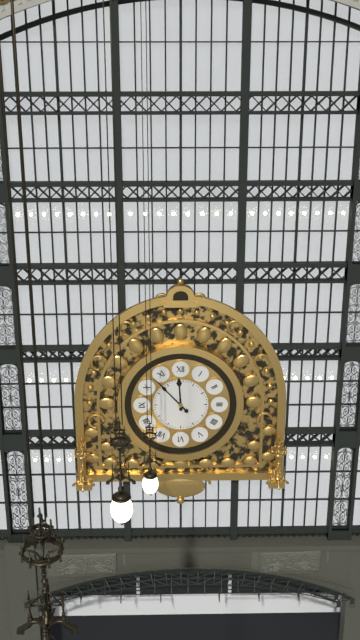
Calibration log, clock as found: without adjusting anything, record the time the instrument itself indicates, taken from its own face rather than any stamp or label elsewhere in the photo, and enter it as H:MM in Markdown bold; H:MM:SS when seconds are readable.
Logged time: **11:53**
